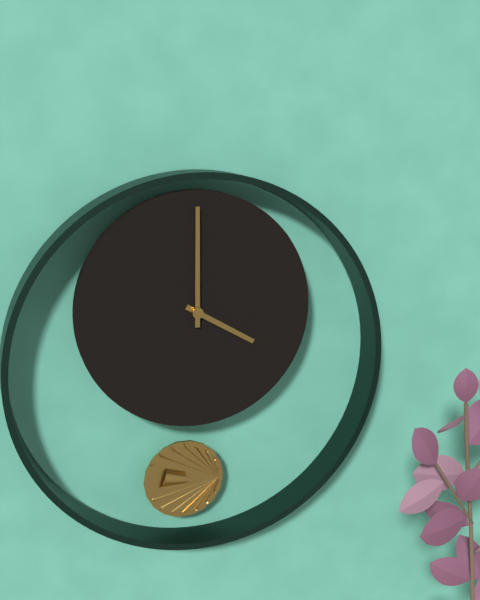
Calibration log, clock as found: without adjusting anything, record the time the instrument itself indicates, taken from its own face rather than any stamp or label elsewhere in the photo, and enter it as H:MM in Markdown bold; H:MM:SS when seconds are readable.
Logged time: **4:00**
